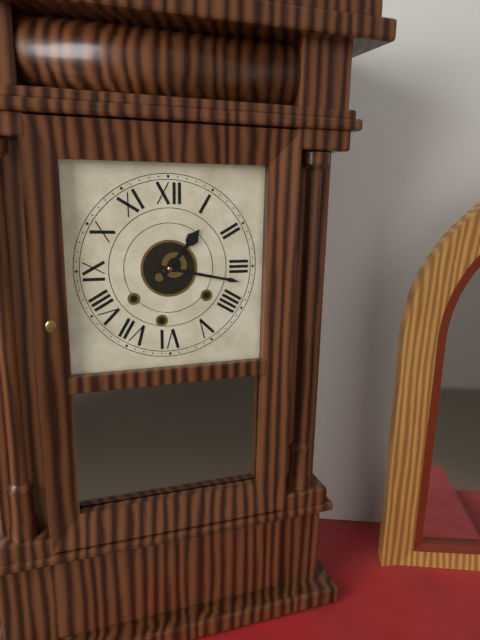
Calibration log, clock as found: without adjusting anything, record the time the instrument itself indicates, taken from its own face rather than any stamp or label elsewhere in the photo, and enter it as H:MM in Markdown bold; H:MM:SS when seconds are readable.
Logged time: **1:17**
